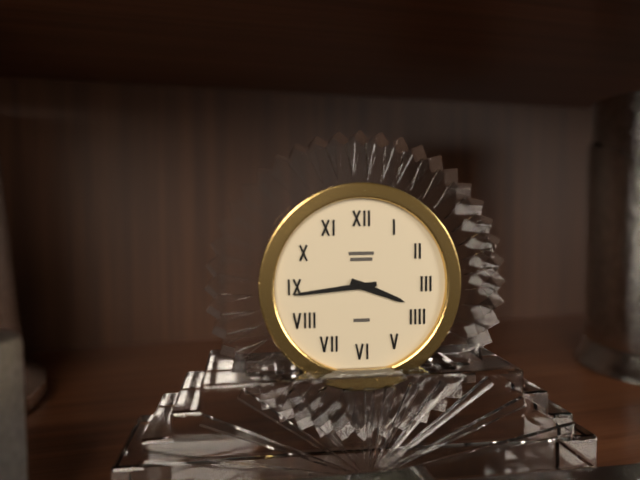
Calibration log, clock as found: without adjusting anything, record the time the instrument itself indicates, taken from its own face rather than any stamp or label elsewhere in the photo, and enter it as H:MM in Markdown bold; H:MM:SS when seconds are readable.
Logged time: **3:44**
